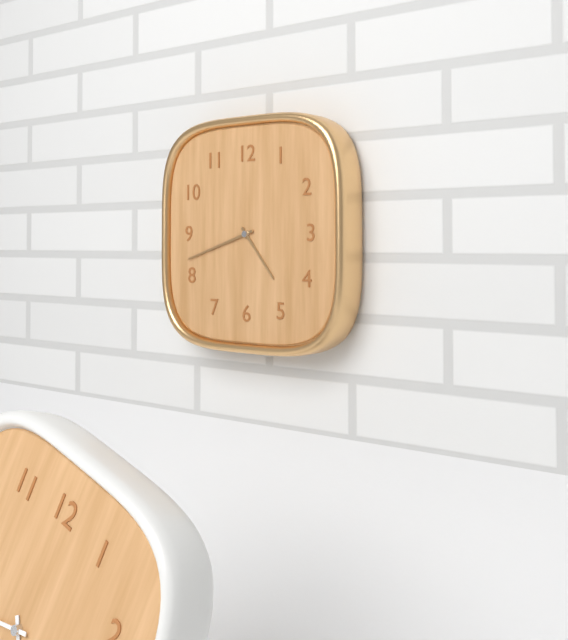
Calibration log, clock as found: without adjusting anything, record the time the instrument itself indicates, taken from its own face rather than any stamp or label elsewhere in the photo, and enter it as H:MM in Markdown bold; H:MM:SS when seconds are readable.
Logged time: **4:42**
